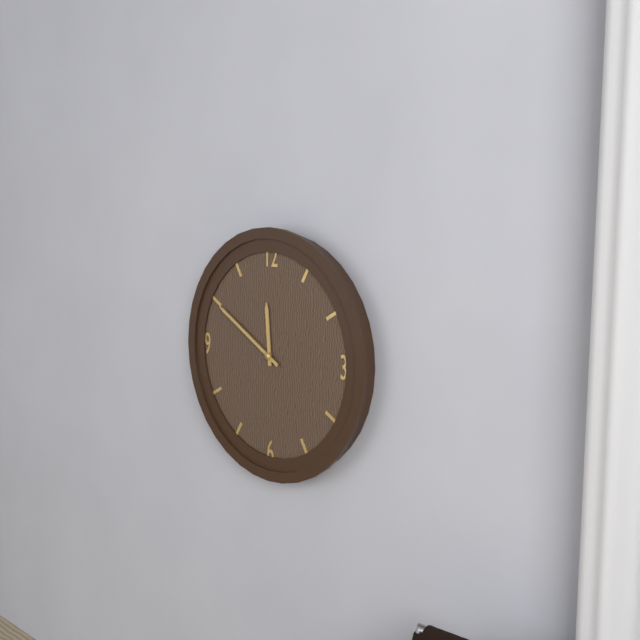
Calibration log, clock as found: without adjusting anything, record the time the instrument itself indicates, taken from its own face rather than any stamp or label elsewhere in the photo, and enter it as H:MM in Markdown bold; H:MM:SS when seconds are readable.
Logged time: **11:50**
